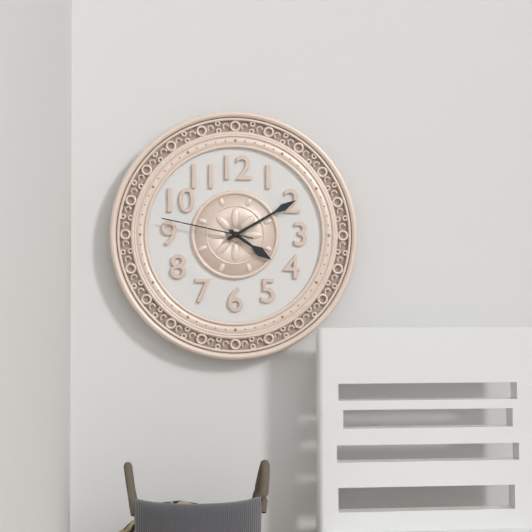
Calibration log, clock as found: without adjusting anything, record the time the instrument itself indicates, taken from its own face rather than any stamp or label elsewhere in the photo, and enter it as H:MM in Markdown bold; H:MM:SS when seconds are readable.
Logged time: **4:10:47**
